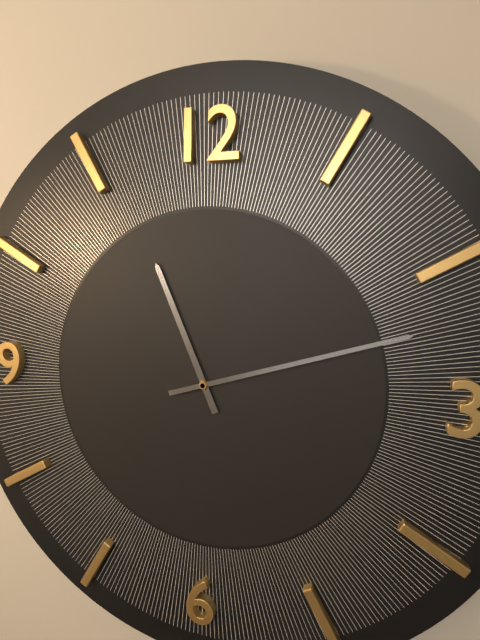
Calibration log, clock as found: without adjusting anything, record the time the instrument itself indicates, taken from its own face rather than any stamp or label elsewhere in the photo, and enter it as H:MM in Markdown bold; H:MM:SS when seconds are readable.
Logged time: **11:12**
